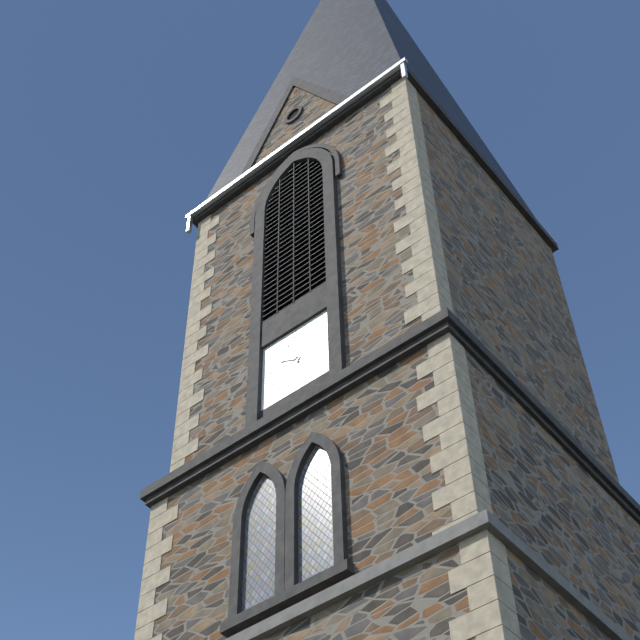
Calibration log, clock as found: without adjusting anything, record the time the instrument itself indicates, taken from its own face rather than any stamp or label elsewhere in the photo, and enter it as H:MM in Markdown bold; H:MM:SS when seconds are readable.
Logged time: **9:56**
